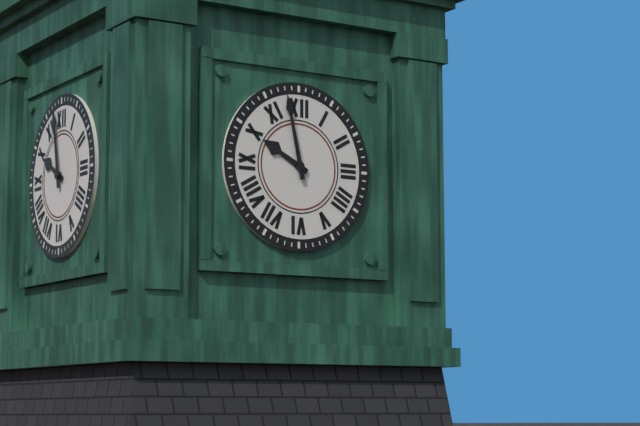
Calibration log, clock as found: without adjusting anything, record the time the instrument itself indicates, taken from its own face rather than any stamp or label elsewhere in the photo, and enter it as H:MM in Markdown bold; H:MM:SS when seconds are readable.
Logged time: **9:58**
